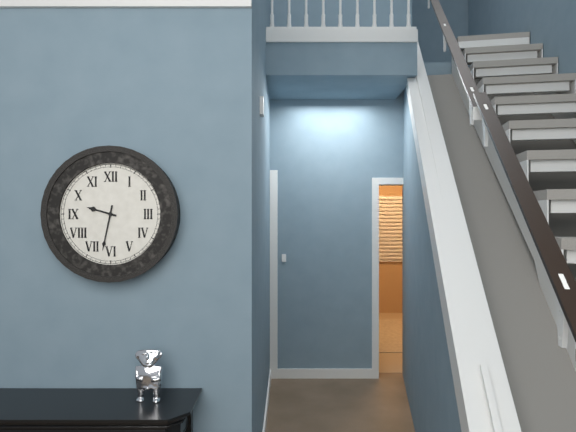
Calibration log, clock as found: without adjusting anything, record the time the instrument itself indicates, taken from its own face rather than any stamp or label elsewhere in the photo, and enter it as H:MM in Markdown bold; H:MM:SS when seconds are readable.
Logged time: **9:32**
